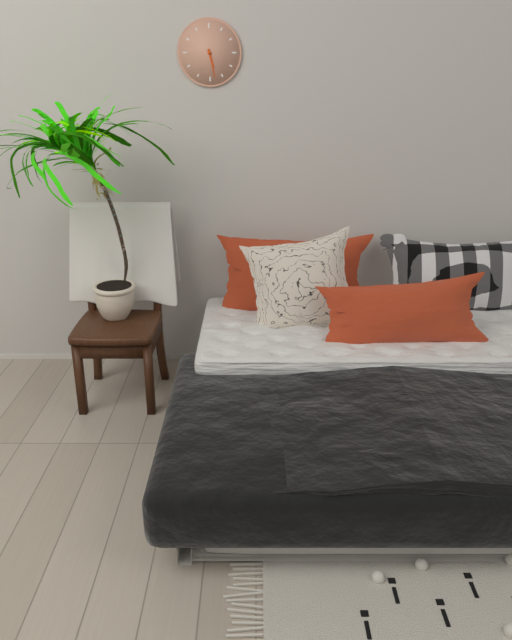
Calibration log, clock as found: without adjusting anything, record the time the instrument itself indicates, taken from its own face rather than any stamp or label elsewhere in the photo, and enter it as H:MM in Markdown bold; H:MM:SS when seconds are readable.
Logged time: **5:28**
